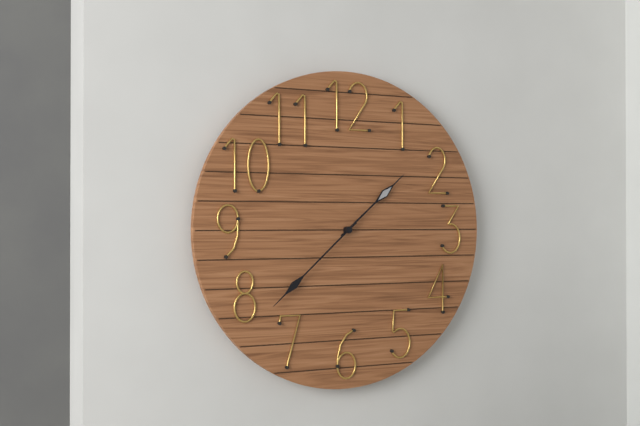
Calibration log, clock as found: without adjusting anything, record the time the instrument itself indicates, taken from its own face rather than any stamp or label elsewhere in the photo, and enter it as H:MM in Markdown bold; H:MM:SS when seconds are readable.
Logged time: **1:38**
